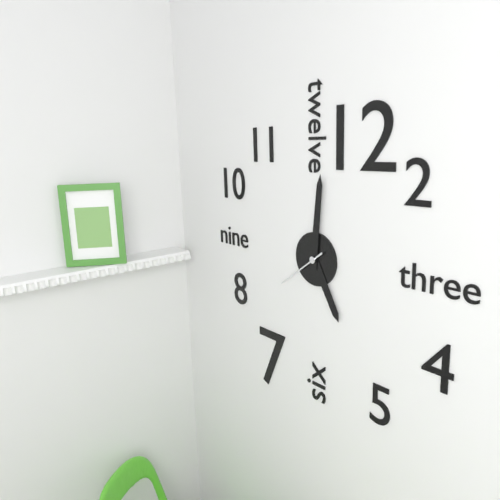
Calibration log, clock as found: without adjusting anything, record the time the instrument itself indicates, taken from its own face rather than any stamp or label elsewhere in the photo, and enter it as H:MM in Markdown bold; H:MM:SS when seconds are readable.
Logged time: **5:01:39**
